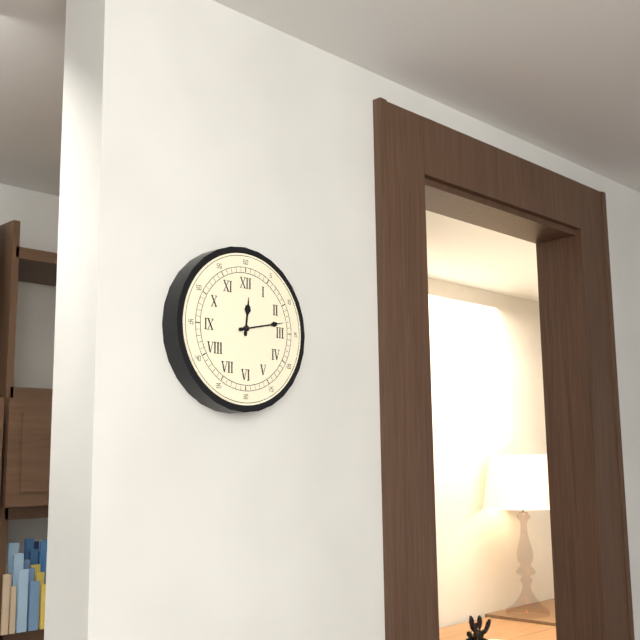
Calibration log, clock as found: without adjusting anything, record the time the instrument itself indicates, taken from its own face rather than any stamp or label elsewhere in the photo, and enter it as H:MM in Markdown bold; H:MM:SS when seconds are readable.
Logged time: **12:13**
